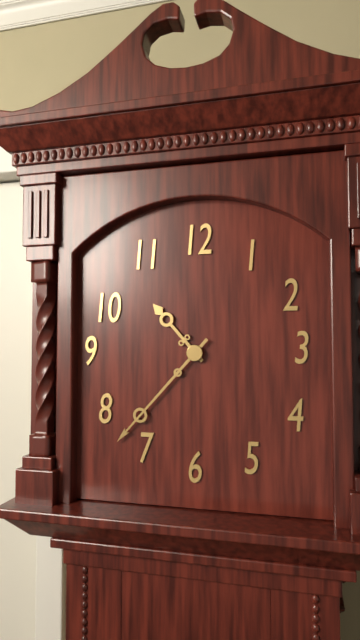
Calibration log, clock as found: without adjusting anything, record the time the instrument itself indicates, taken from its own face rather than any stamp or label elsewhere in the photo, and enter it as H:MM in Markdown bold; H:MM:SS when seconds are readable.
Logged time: **10:37**
